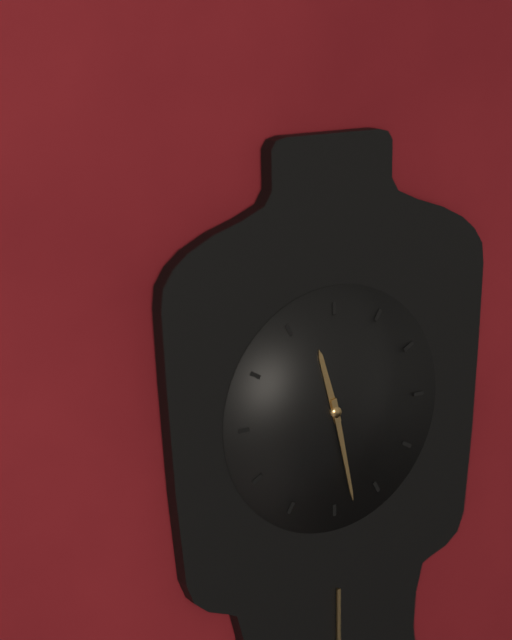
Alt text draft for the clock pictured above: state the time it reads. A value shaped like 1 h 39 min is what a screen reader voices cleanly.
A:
11 h 28 min
